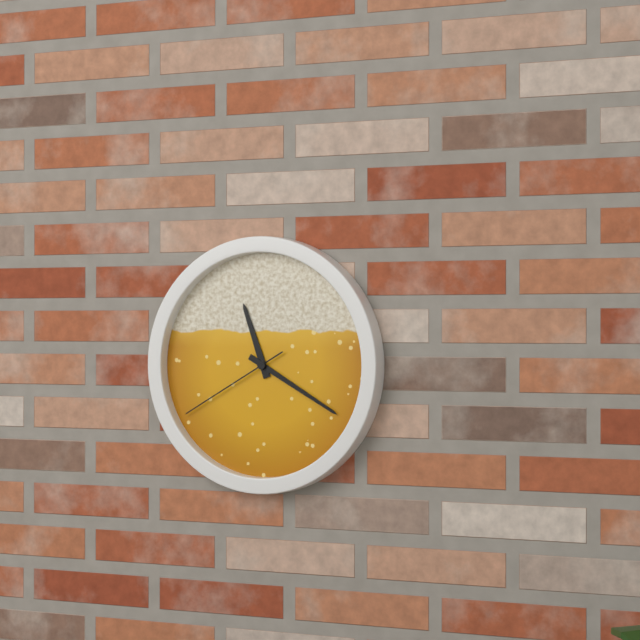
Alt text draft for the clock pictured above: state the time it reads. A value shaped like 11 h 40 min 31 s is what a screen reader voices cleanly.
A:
11 h 20 min 40 s
